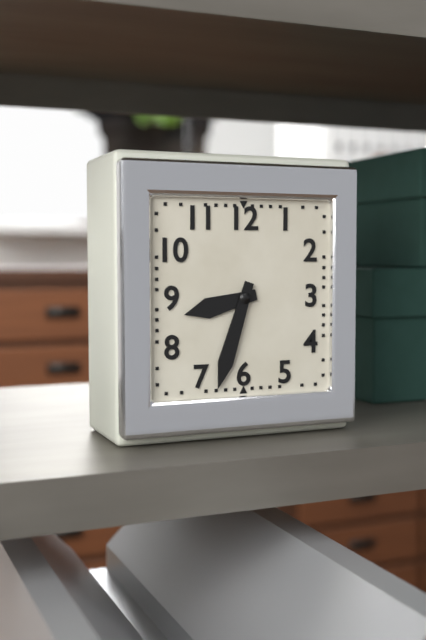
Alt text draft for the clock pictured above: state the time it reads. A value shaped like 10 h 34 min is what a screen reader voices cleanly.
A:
8 h 33 min
